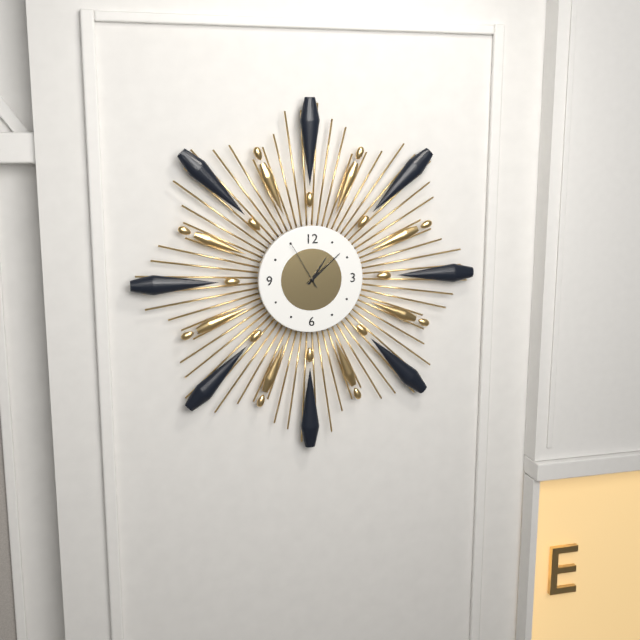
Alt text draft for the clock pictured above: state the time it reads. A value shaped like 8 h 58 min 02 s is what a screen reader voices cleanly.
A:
1 h 08 min 55 s
